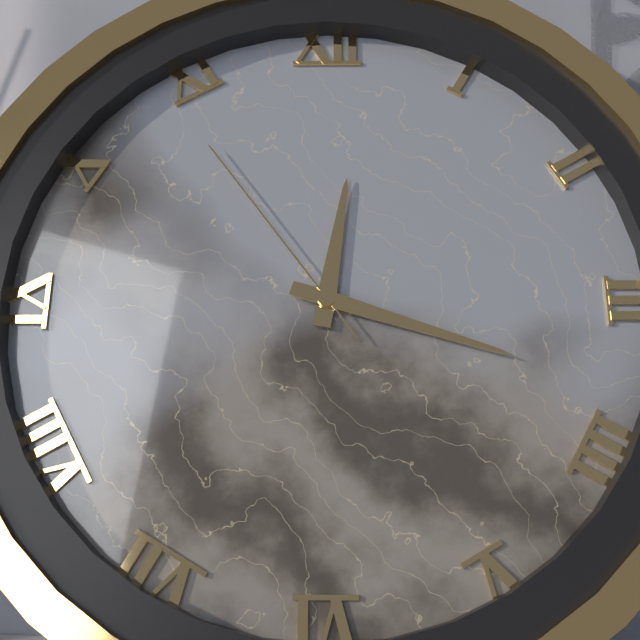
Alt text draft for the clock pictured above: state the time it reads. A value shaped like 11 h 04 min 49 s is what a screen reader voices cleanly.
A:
12 h 18 min 54 s
